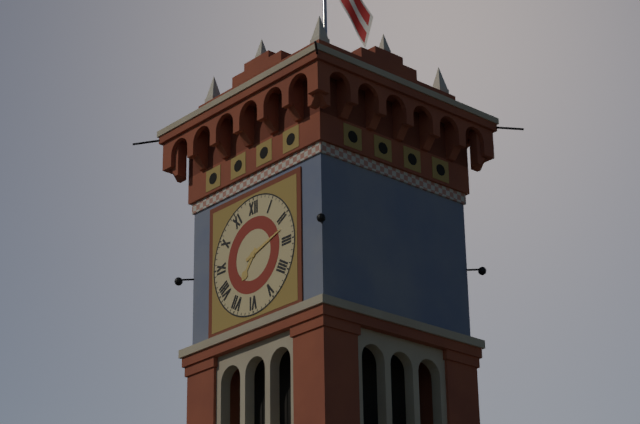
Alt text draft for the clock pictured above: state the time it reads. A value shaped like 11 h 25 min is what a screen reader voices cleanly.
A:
7 h 12 min
